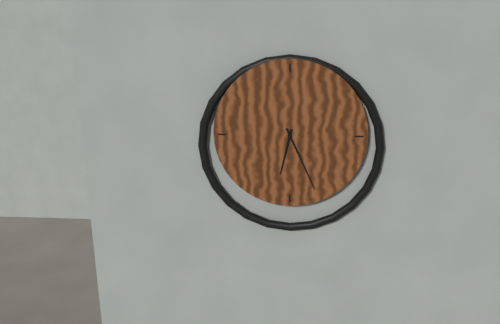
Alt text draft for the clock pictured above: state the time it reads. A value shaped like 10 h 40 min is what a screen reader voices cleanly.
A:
6 h 26 min
